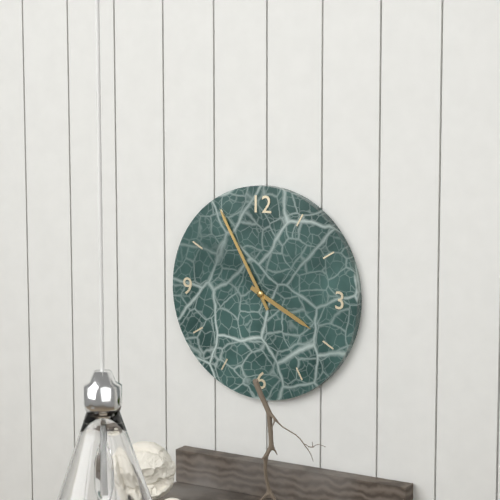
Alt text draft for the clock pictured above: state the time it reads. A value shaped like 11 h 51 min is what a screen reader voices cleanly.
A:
3 h 55 min
